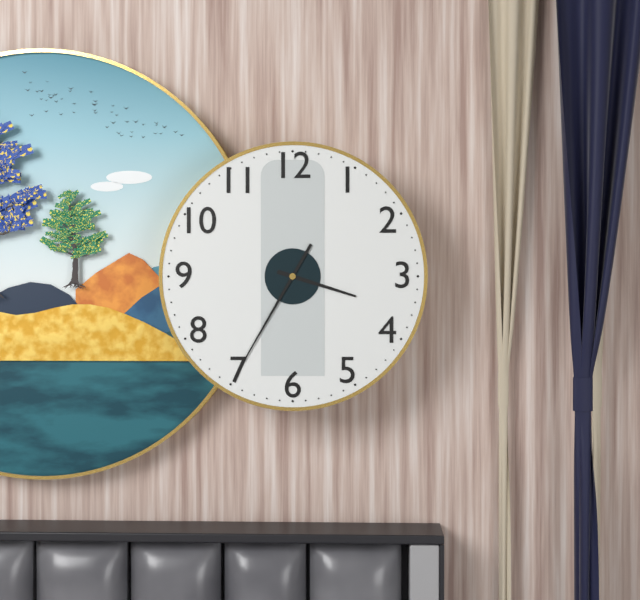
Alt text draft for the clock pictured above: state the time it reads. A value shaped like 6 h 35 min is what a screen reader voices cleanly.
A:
3 h 35 min
